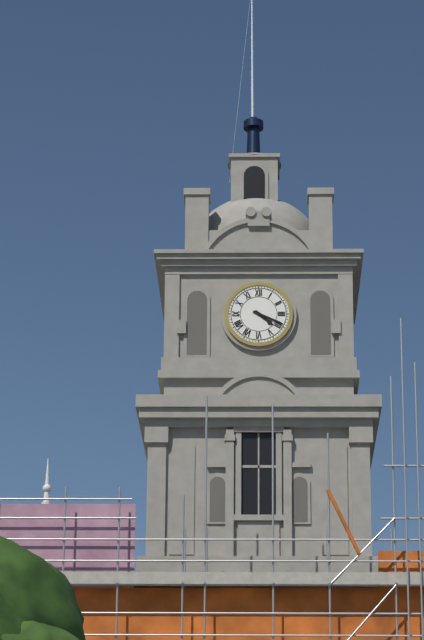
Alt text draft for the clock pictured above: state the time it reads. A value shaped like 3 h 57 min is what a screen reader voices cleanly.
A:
4 h 19 min
